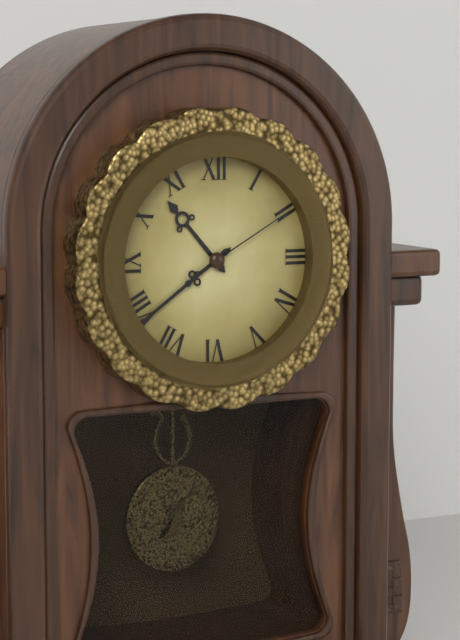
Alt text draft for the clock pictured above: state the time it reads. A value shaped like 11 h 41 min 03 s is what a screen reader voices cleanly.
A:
10 h 39 min 10 s
